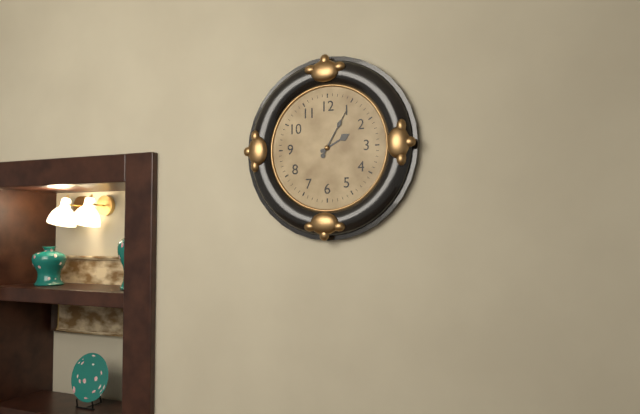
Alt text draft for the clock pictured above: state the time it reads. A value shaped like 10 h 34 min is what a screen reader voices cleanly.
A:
2 h 05 min
